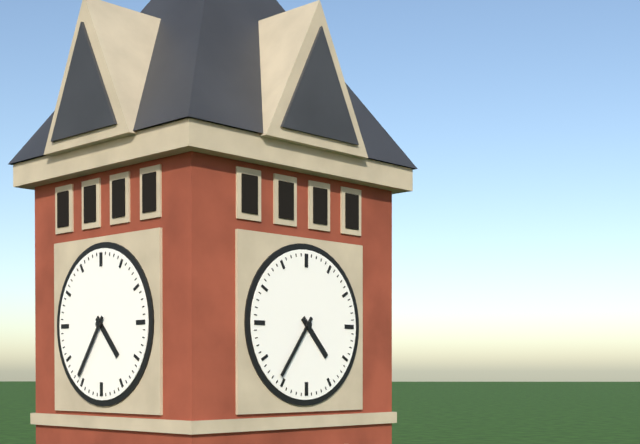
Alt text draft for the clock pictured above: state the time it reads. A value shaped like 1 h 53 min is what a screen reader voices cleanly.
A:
4 h 36 min
